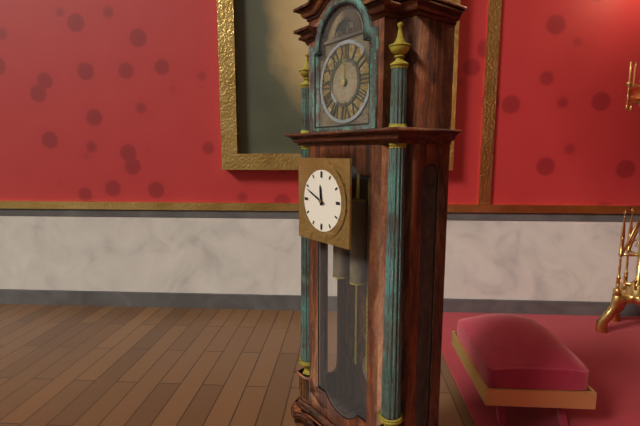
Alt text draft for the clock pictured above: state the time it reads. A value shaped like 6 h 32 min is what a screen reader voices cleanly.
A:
11 h 49 min
